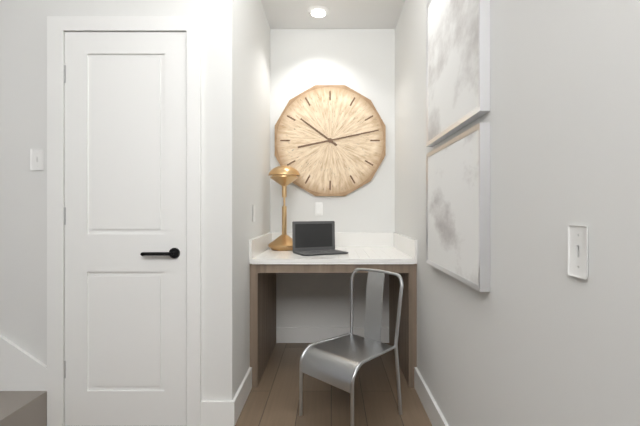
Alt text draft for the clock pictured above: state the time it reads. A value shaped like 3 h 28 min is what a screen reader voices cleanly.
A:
10 h 13 min
